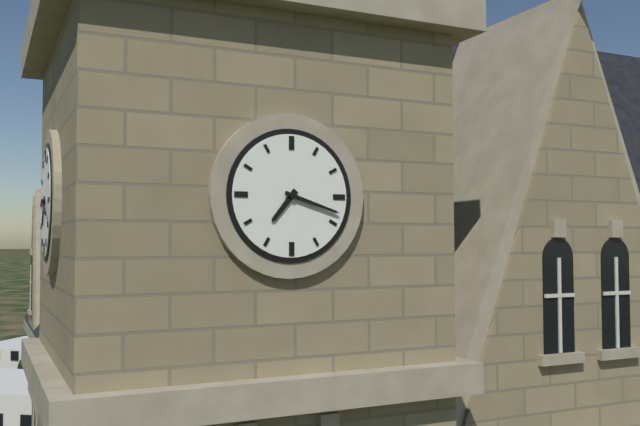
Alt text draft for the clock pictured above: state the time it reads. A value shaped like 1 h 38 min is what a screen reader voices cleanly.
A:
7 h 18 min
